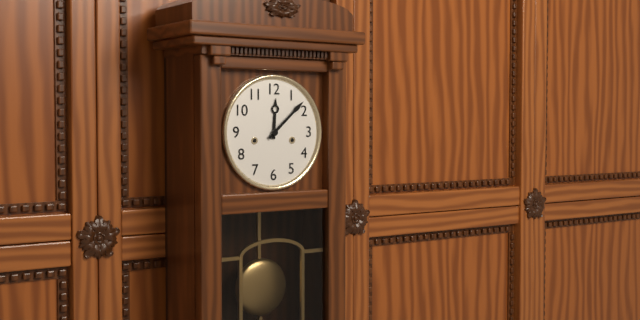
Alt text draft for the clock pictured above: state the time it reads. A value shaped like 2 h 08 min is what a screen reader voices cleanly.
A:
12 h 08 min
